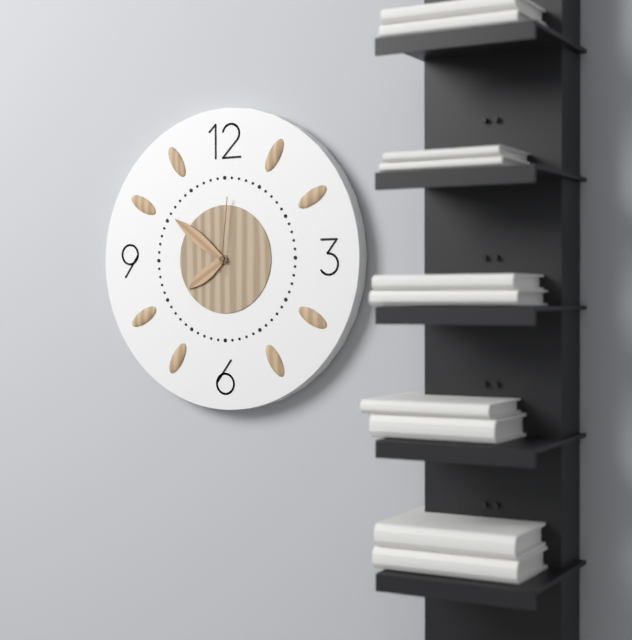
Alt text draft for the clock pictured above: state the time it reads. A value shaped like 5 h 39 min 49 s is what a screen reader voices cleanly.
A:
7 h 51 min 01 s
